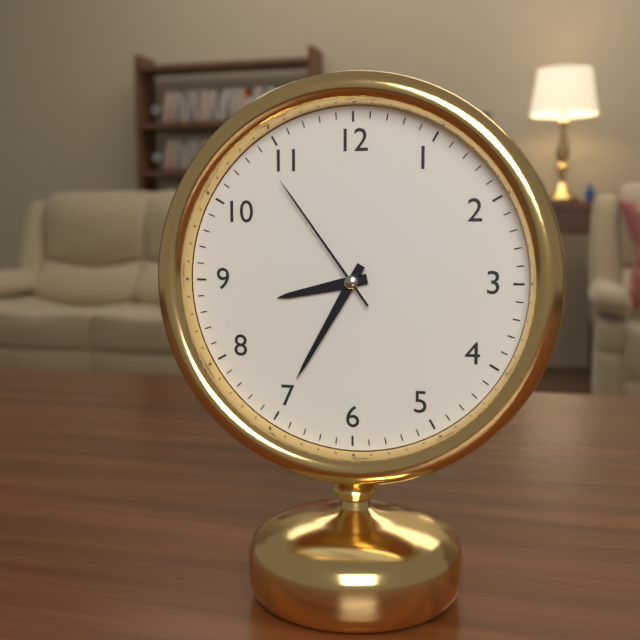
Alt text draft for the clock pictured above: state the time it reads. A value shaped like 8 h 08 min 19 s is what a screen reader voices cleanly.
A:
8 h 35 min 54 s
